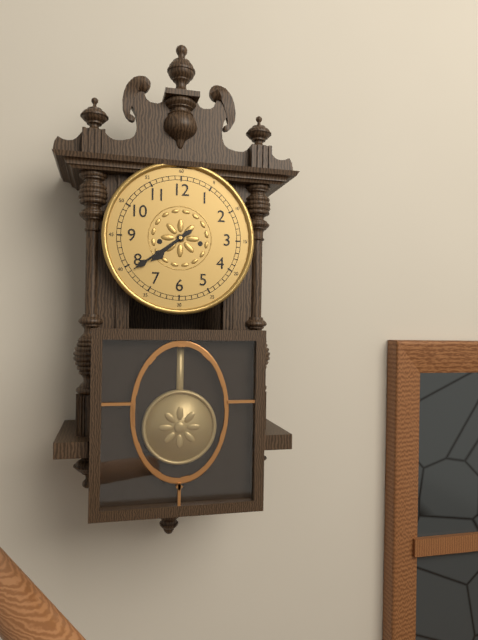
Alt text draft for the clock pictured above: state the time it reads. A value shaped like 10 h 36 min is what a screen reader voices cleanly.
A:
7 h 39 min
